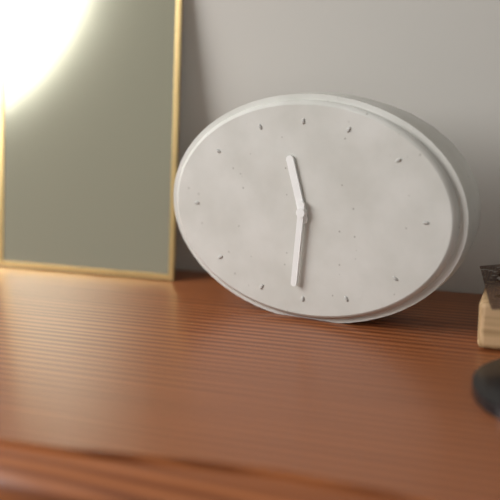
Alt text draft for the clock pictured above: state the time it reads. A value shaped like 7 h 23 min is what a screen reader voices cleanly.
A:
11 h 31 min
